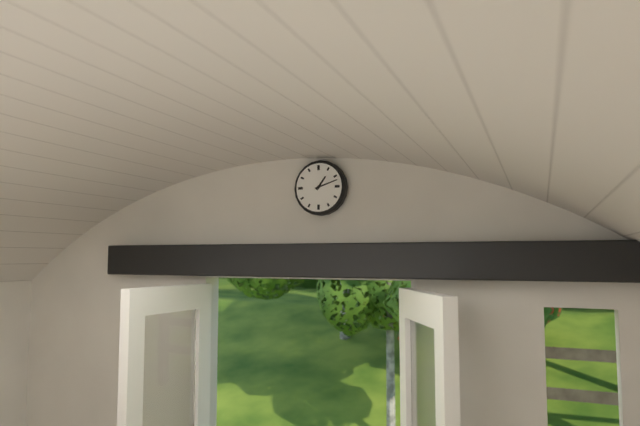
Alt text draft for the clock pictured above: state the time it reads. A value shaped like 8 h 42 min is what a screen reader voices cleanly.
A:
1 h 12 min
